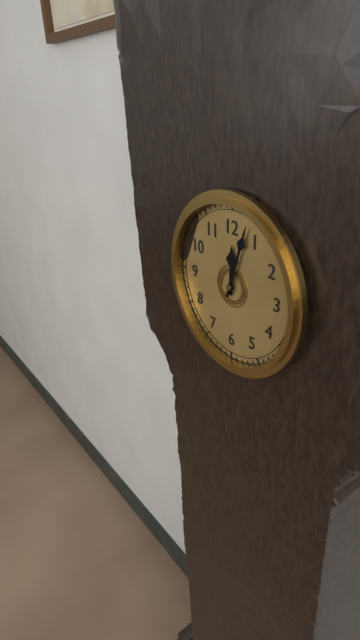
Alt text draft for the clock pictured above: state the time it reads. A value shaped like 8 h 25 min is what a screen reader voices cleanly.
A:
12 h 03 min
